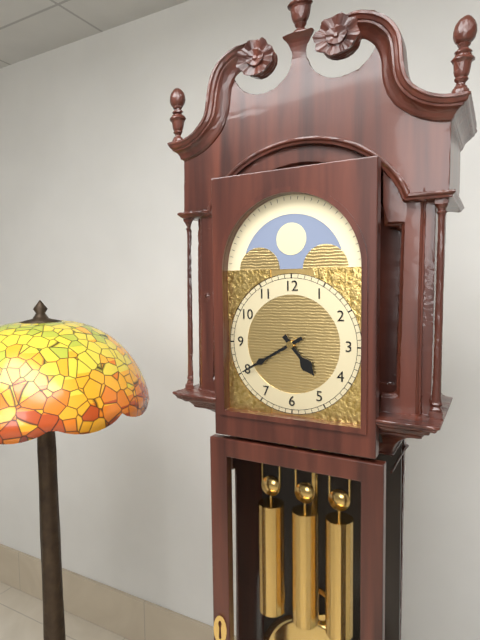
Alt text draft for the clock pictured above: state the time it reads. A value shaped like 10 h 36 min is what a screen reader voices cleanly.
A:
4 h 40 min
